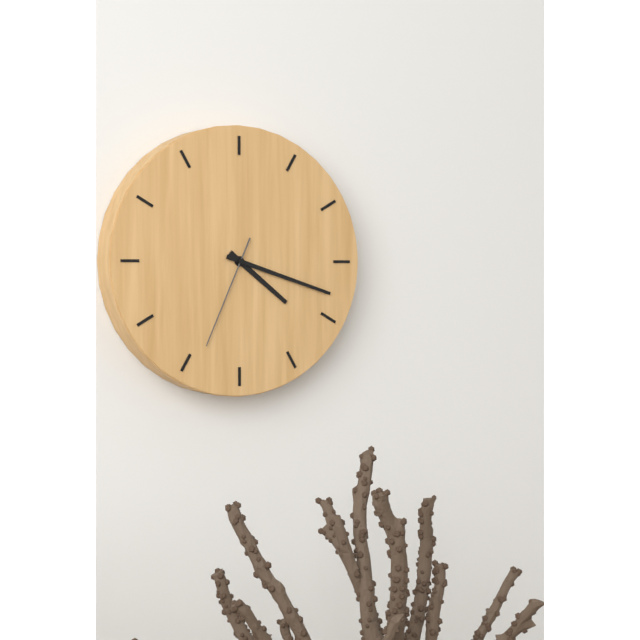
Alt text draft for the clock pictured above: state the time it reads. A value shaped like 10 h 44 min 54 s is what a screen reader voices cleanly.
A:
4 h 18 min 34 s
